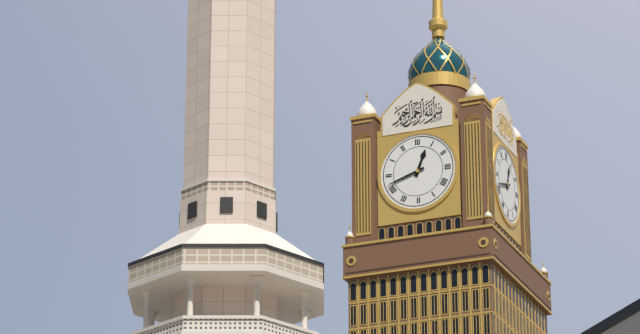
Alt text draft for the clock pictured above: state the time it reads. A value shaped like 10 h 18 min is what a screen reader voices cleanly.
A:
12 h 42 min
